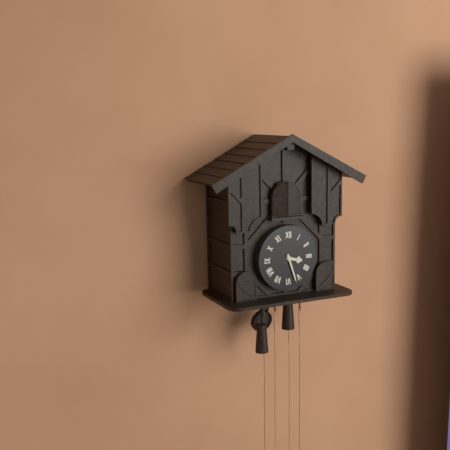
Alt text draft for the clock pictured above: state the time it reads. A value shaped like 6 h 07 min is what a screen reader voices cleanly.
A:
3 h 27 min
